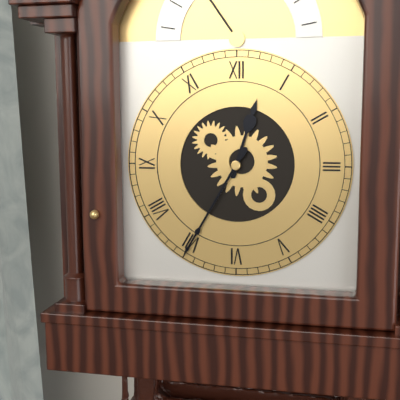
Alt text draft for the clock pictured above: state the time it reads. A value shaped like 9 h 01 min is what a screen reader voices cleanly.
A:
12 h 35 min
